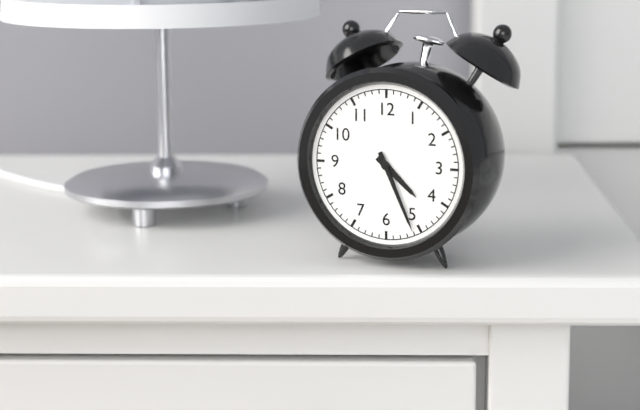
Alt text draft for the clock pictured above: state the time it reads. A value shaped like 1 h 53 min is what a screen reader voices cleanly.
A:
4 h 26 min
